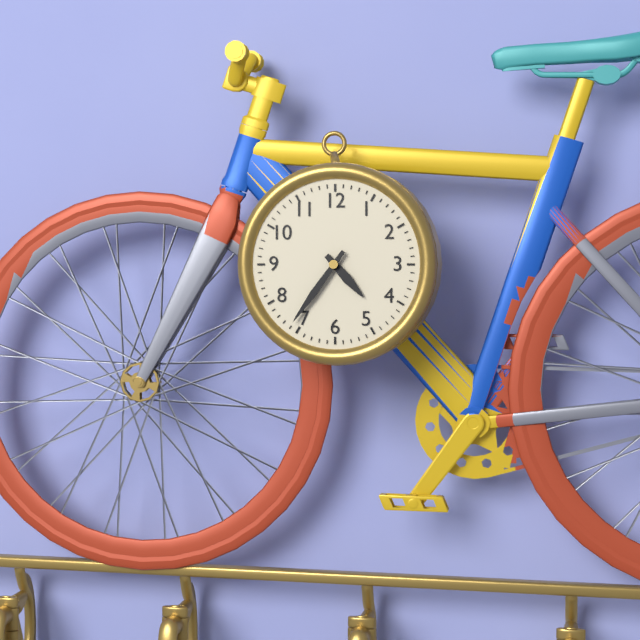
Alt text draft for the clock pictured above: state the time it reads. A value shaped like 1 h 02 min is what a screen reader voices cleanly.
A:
4 h 36 min
